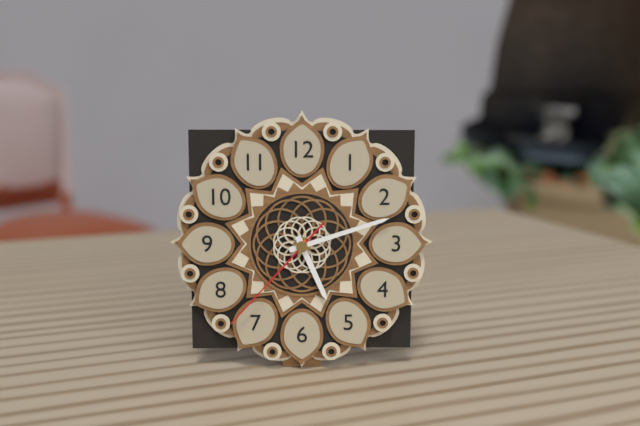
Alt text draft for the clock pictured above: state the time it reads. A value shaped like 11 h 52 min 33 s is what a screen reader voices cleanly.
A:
5 h 12 min 37 s
